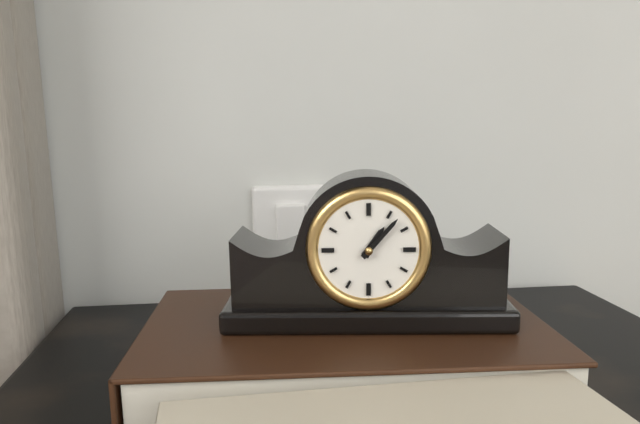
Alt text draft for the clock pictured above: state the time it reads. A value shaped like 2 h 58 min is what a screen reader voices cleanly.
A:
1 h 07 min
